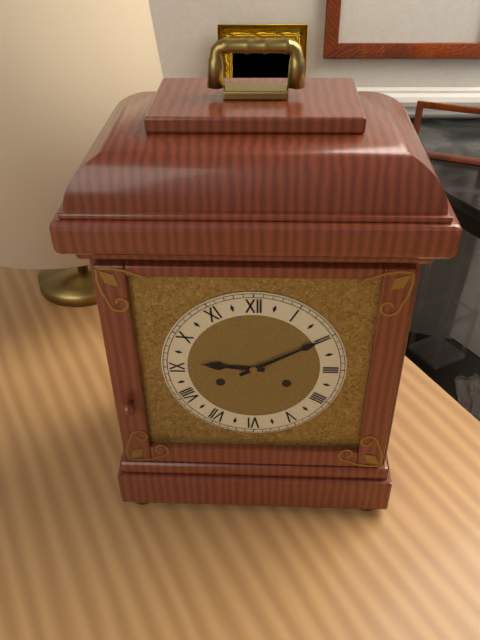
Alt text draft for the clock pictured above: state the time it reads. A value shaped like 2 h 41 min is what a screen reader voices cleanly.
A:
9 h 10 min
